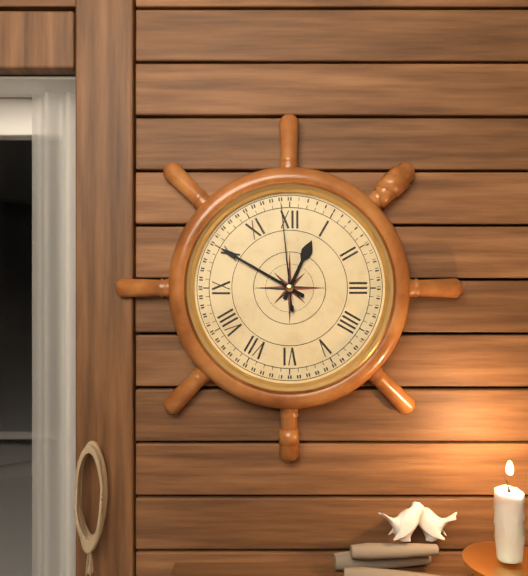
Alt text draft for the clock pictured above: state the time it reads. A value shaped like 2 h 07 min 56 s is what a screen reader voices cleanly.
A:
12 h 50 min 59 s
